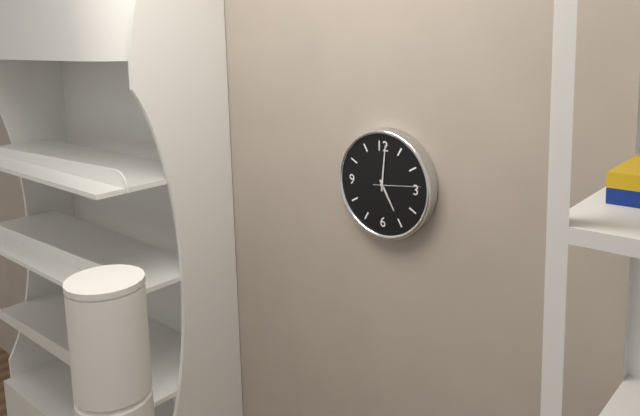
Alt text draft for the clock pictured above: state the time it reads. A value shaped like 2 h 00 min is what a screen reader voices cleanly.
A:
5 h 01 min
